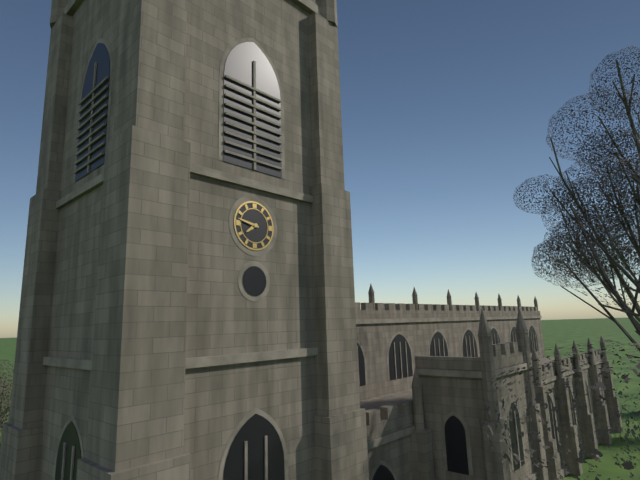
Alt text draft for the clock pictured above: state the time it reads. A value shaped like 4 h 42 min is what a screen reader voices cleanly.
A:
7 h 47 min
